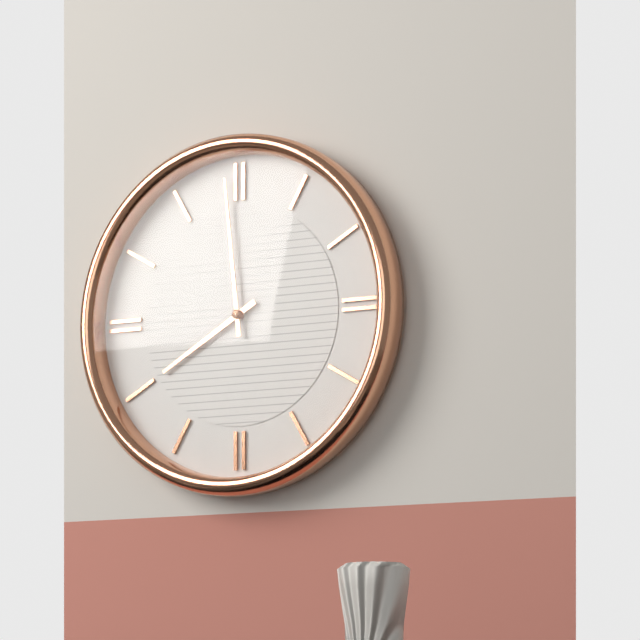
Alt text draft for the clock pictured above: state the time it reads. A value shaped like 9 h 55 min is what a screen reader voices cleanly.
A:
7 h 59 min
